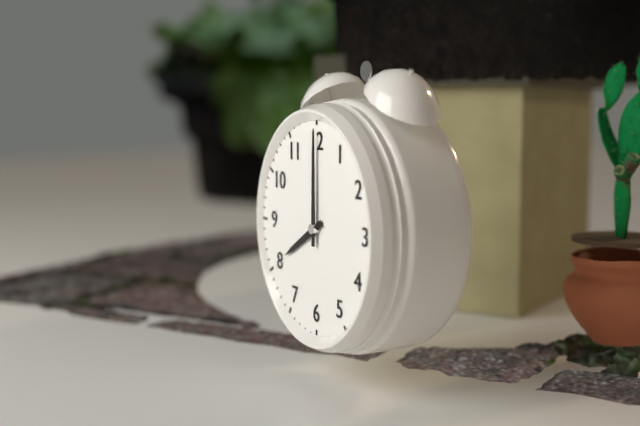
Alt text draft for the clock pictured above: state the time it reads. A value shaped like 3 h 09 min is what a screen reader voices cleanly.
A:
8 h 00 min
